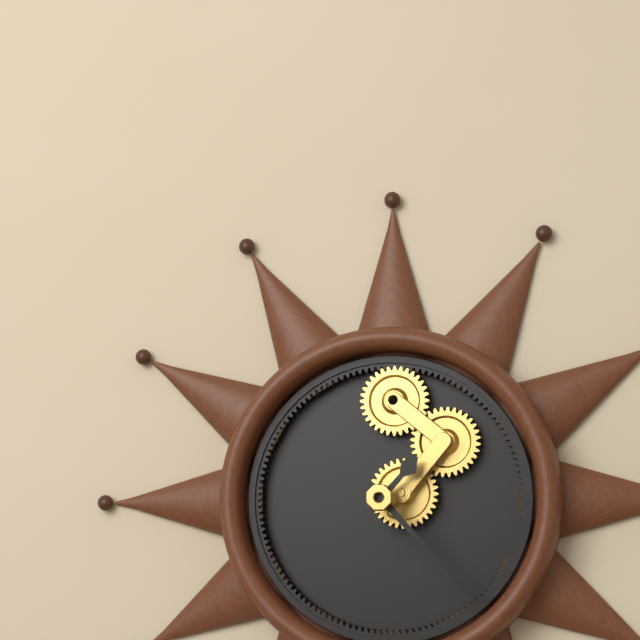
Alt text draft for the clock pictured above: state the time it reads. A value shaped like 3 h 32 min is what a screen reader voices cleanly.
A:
1 h 23 min
